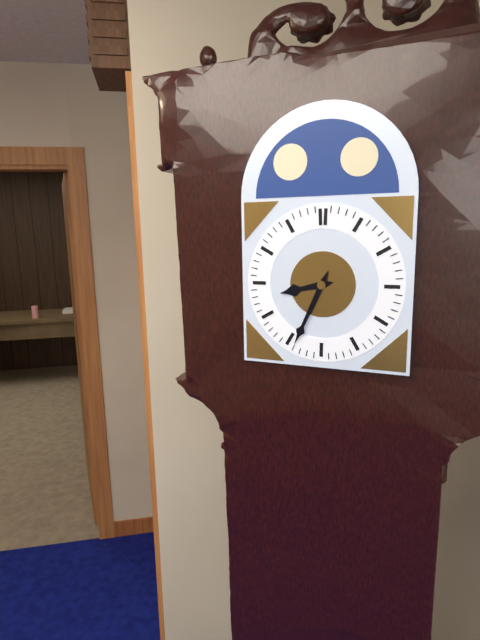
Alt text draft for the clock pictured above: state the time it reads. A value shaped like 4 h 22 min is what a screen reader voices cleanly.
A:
8 h 34 min
